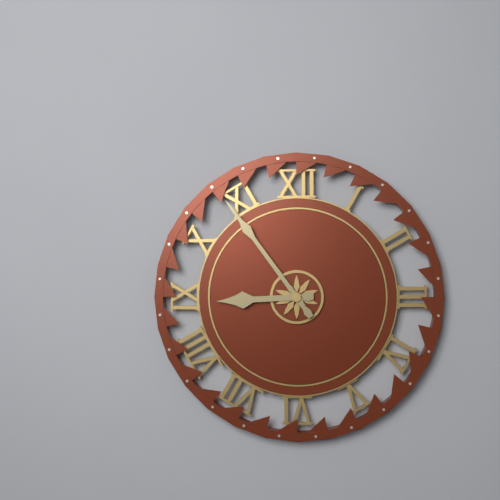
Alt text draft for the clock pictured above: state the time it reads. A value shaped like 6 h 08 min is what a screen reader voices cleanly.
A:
8 h 54 min
